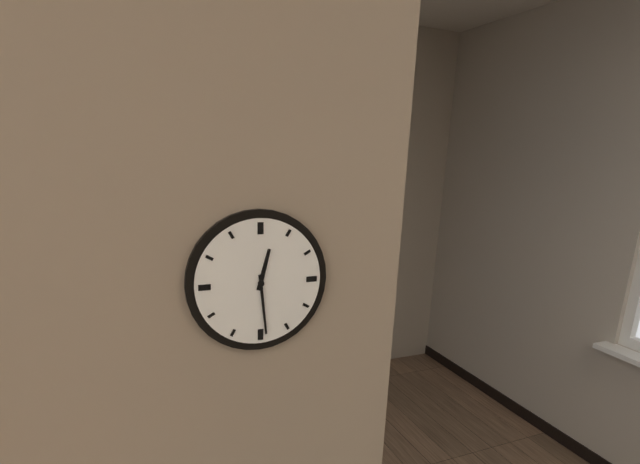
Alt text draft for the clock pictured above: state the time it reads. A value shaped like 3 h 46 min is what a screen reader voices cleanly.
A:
12 h 29 min
